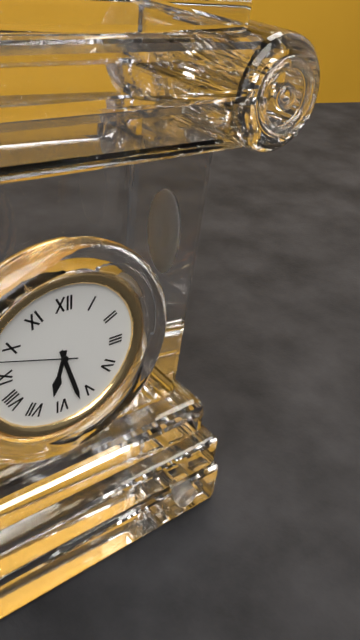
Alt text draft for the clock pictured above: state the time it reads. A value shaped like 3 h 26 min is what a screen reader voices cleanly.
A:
6 h 27 min
